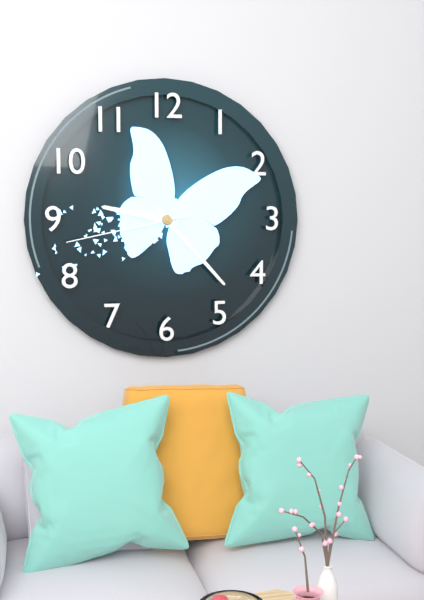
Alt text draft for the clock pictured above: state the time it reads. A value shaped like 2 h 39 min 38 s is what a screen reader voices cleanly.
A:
9 h 23 min 43 s
